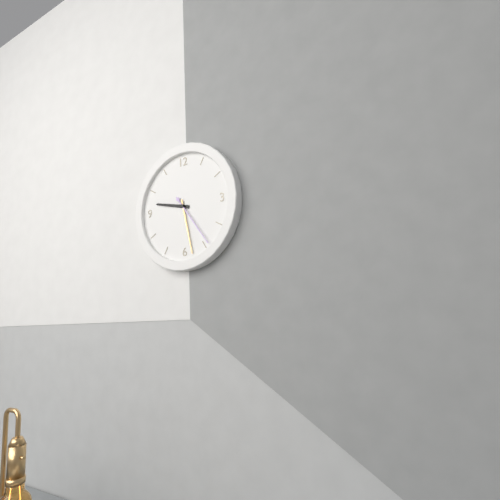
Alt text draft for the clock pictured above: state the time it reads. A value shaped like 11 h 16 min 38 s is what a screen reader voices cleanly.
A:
9 h 28 min 24 s
